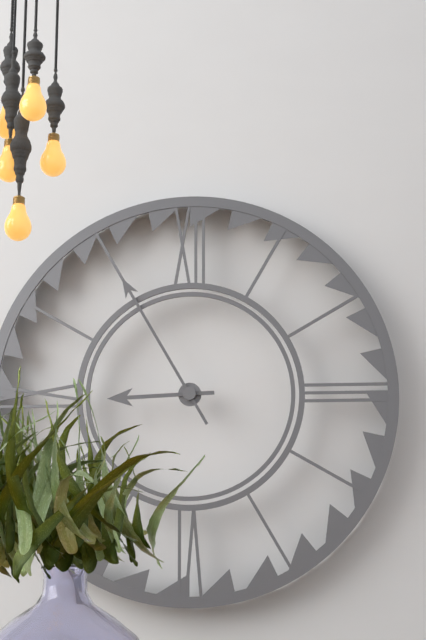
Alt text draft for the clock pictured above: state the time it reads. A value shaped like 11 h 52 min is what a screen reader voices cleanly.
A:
8 h 55 min
